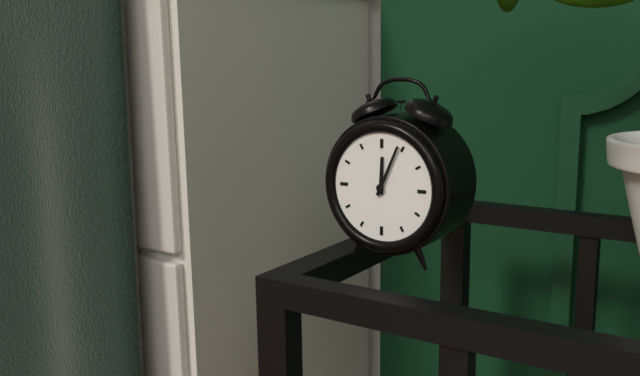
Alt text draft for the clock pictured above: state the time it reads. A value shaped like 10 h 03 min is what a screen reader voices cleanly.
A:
12 h 04 min
